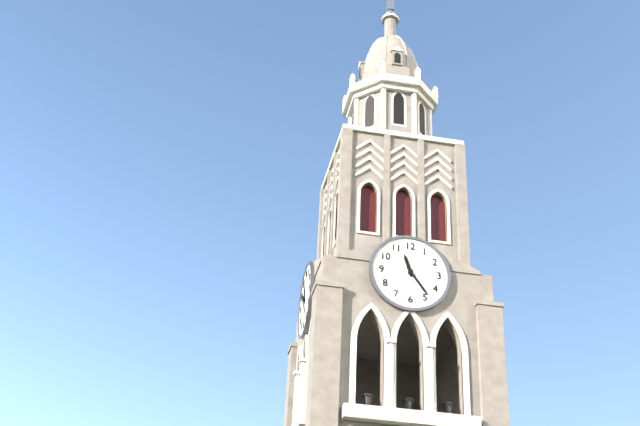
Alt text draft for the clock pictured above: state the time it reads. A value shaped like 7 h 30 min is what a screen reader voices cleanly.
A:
11 h 24 min
